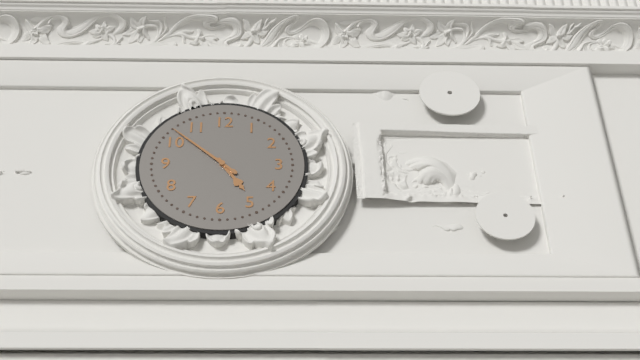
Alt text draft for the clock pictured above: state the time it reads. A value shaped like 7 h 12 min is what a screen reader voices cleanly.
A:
4 h 52 min
